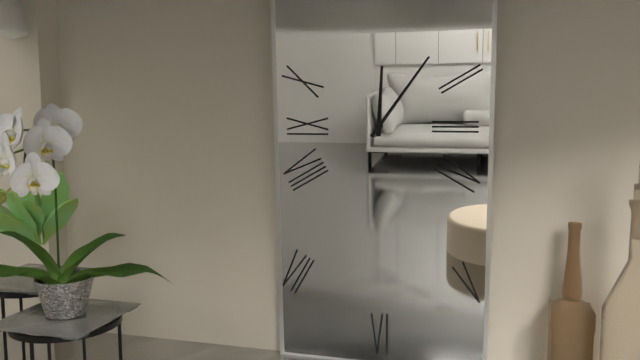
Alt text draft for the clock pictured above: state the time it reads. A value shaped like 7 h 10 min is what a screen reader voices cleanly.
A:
12 h 06 min
